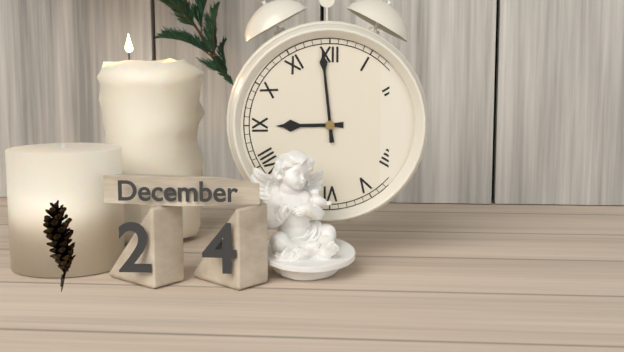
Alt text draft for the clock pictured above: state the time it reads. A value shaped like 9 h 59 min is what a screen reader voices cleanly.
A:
8 h 59 min
